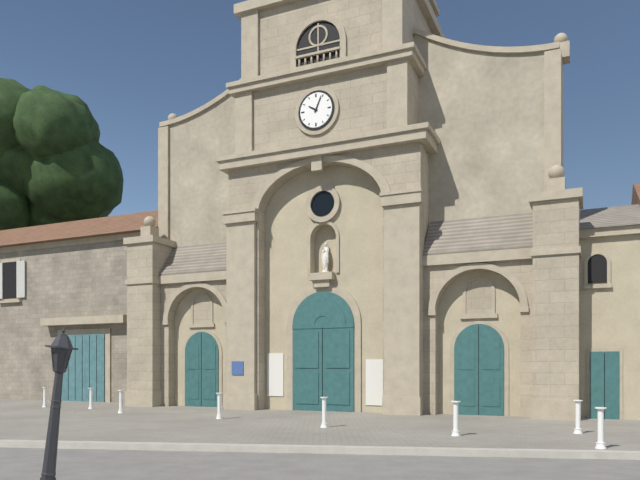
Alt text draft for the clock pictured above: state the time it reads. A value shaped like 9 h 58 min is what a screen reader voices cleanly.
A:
10 h 04 min
